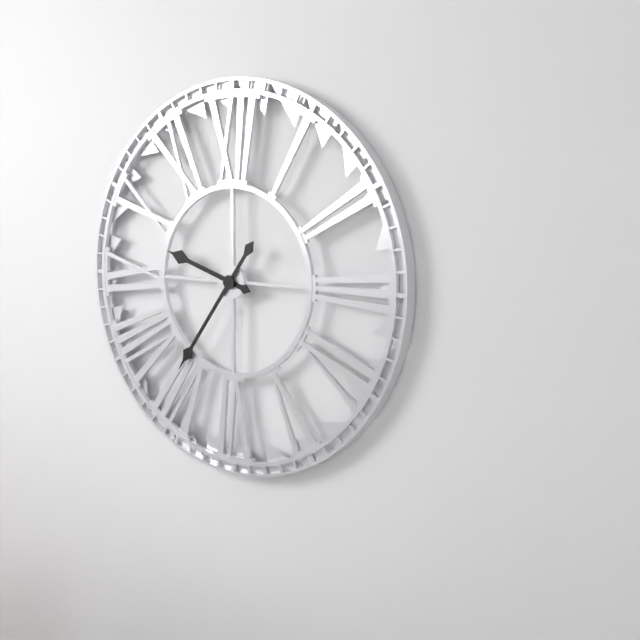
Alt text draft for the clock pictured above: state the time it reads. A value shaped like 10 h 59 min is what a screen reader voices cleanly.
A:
9 h 36 min
